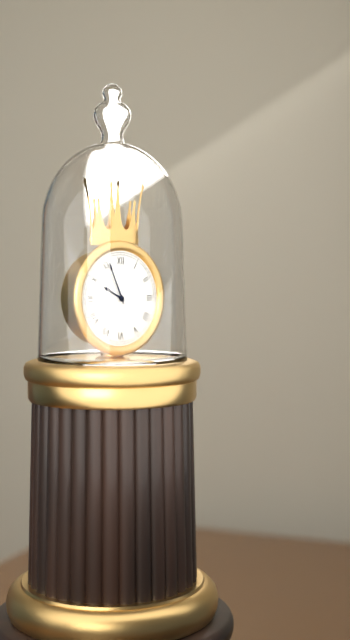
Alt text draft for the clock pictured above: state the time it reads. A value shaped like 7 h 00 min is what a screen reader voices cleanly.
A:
9 h 56 min
